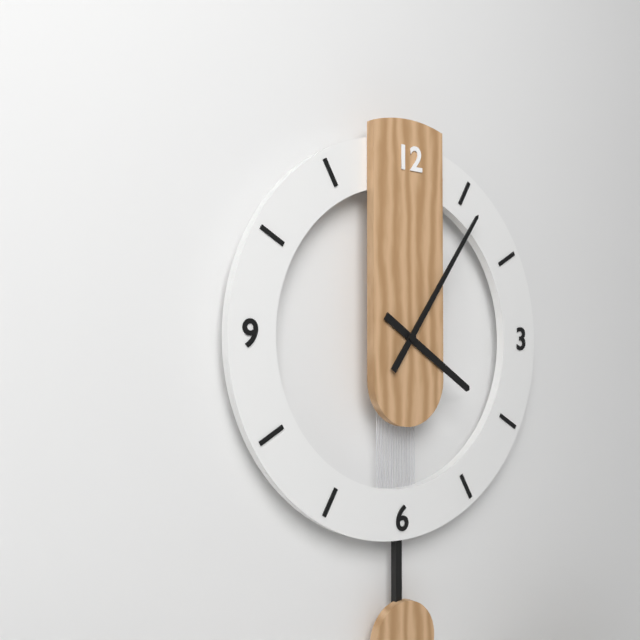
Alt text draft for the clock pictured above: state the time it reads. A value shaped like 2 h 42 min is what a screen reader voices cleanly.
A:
4 h 06 min
